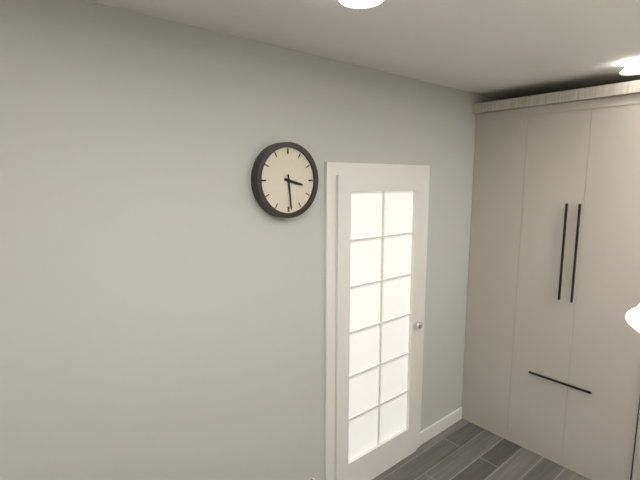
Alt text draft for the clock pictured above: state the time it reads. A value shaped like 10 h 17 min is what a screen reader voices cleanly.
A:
3 h 29 min
